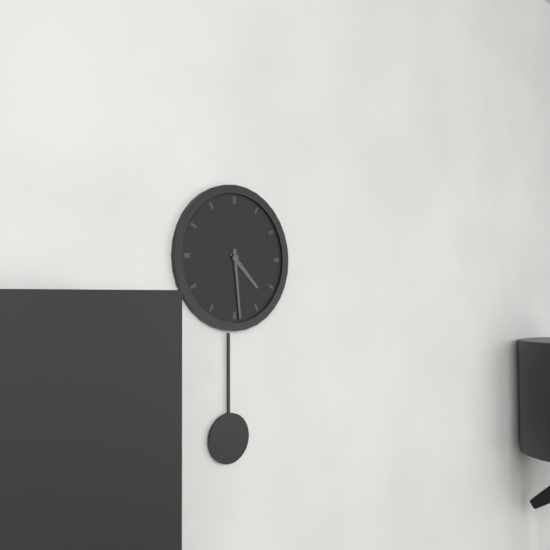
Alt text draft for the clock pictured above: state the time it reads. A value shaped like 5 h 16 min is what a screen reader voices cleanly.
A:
4 h 29 min
